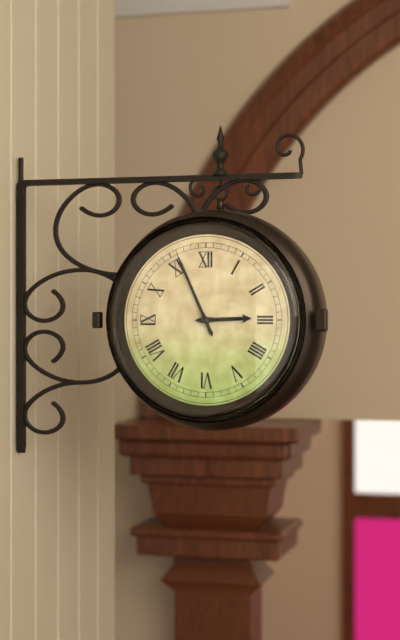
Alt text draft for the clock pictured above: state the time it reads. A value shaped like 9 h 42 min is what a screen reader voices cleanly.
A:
2 h 56 min
